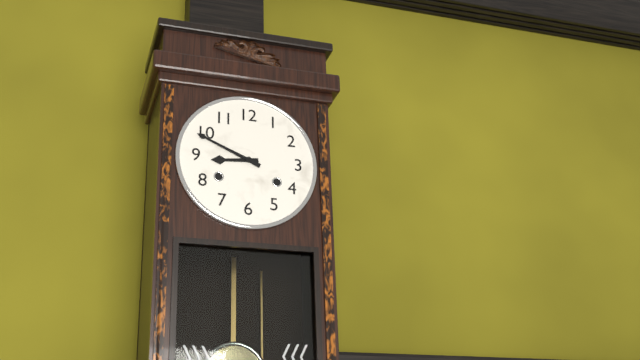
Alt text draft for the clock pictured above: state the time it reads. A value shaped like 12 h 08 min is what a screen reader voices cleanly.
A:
8 h 49 min
